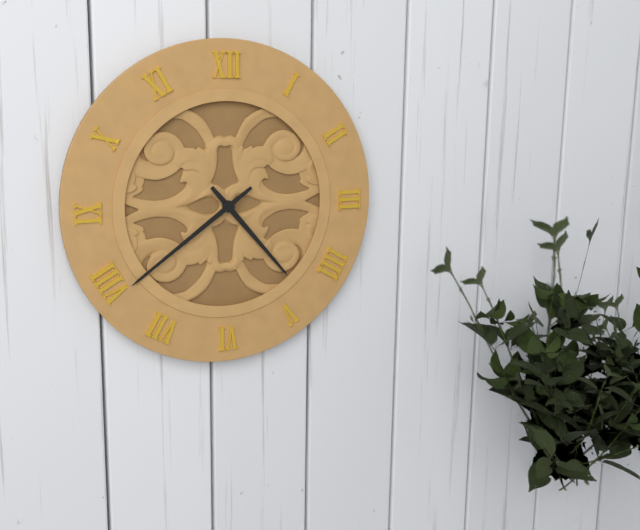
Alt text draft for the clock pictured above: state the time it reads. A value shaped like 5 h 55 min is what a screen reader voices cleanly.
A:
4 h 39 min
